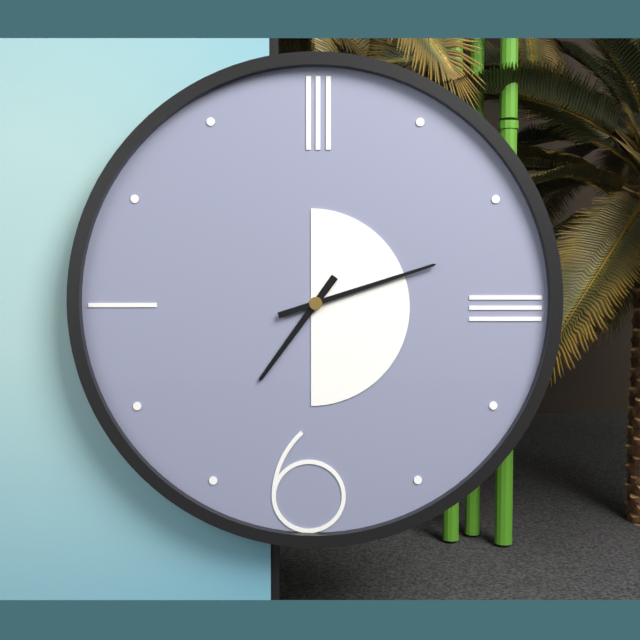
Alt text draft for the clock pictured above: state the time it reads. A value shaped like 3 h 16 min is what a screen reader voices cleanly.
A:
7 h 12 min
